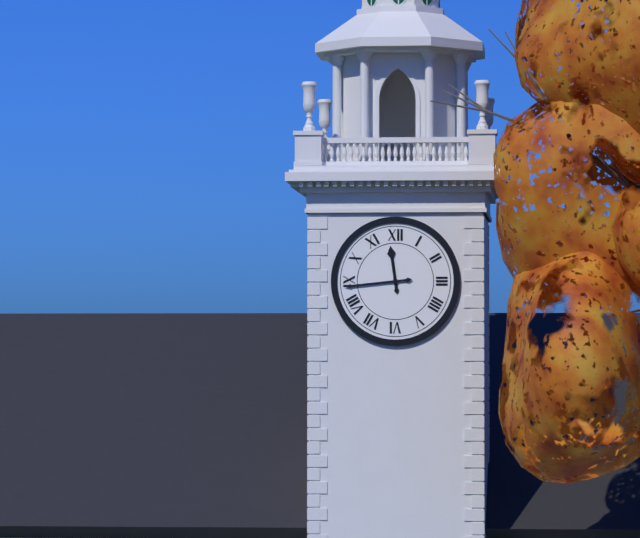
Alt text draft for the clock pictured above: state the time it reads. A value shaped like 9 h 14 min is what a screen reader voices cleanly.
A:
11 h 44 min
